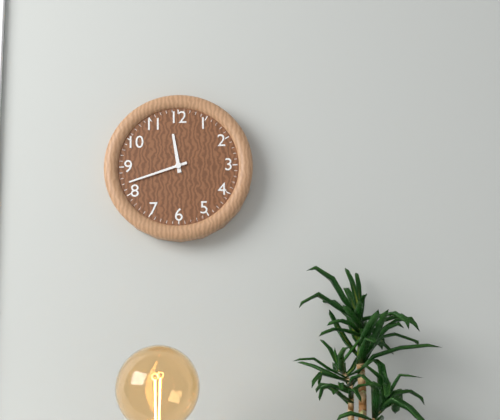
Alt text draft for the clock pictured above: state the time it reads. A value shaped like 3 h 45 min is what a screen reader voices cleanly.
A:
11 h 42 min
